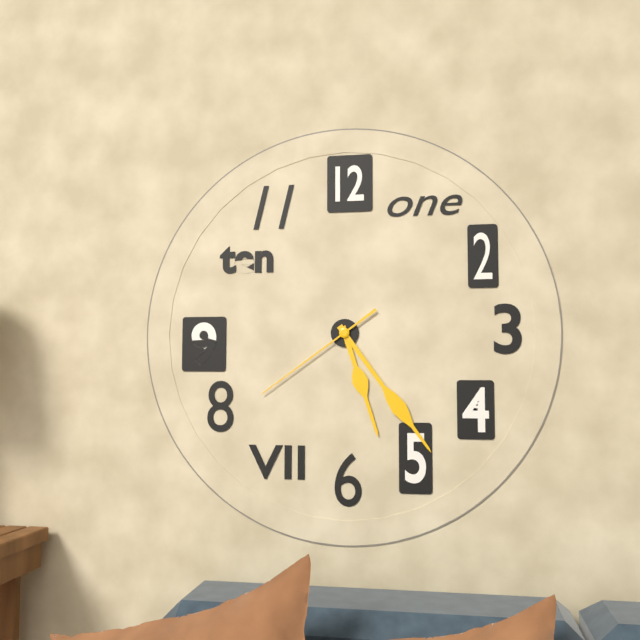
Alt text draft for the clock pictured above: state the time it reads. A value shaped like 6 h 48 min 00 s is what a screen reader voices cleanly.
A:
5 h 24 min 39 s
